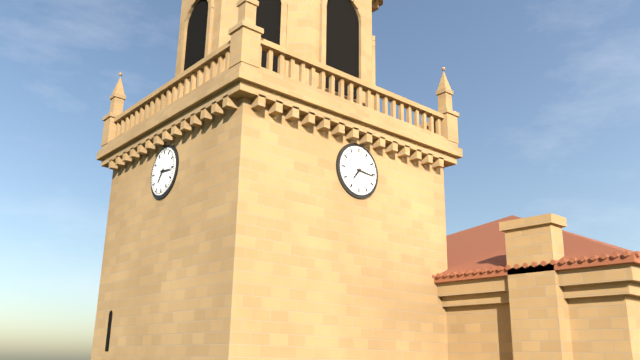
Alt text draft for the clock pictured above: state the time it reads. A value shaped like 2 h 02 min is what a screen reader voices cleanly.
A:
7 h 16 min
